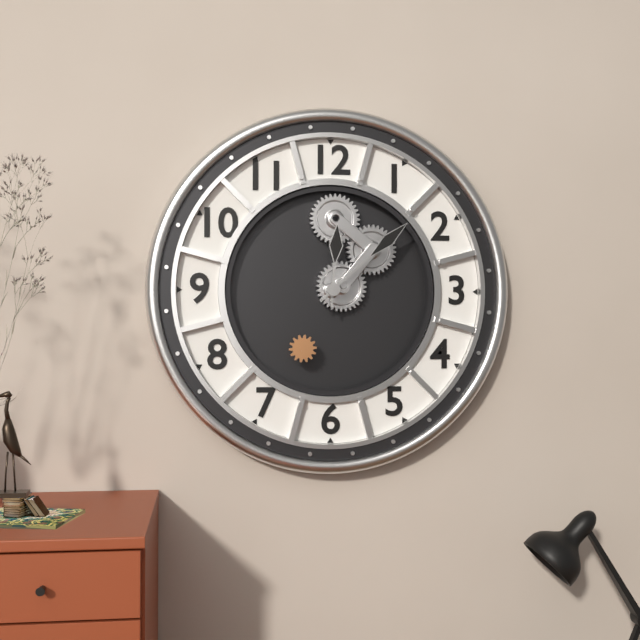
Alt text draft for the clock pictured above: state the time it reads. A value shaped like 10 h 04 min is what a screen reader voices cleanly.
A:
12 h 08 min
